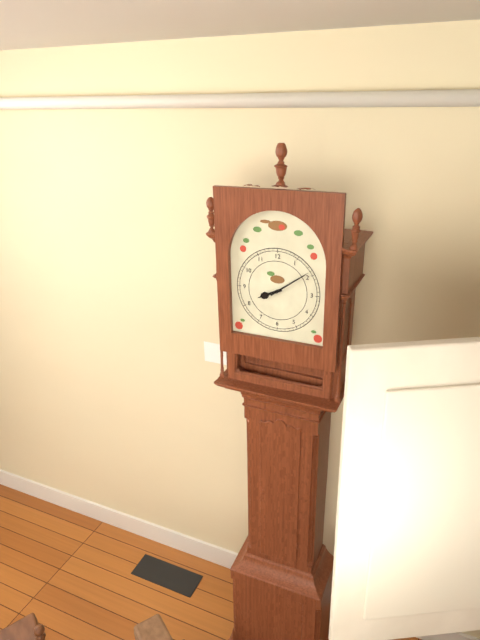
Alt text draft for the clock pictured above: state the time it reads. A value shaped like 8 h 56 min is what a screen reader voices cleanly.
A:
8 h 09 min
